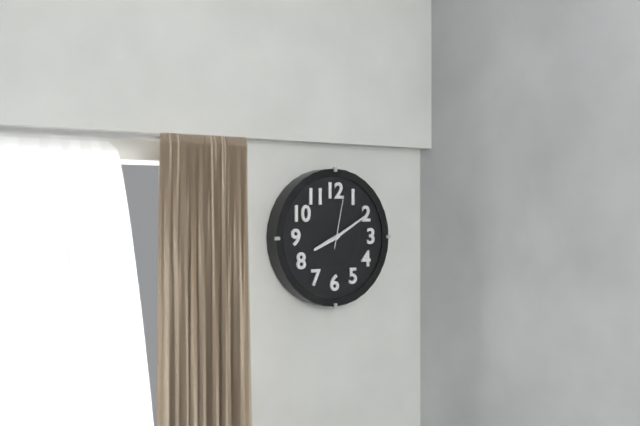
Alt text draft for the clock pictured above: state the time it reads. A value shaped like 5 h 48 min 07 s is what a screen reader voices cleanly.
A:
8 h 10 min 02 s
